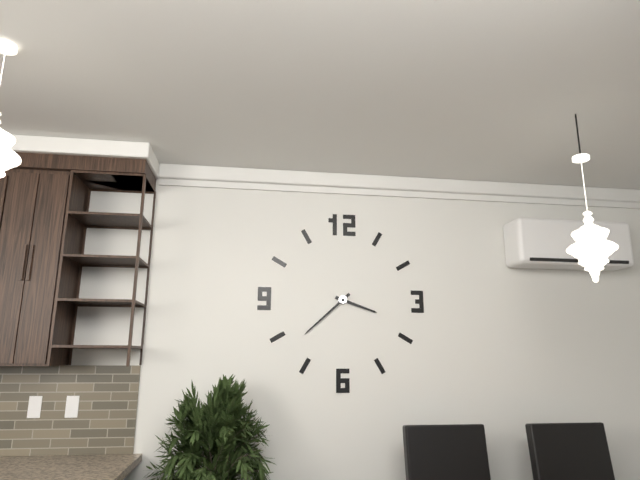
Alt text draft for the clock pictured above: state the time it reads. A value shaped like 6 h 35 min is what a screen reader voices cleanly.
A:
3 h 38 min
